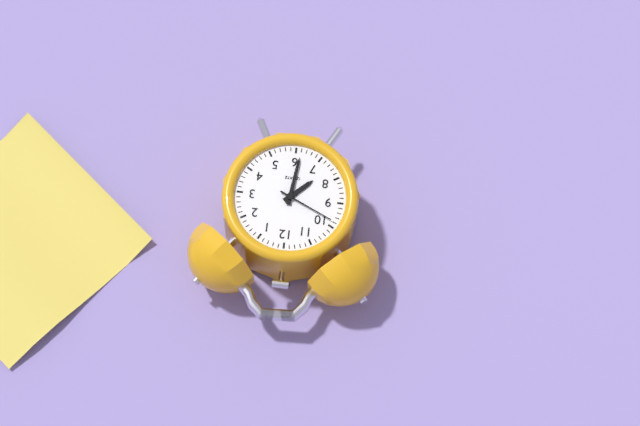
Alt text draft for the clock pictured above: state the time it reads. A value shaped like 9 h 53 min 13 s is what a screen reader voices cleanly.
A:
7 h 31 min 49 s
